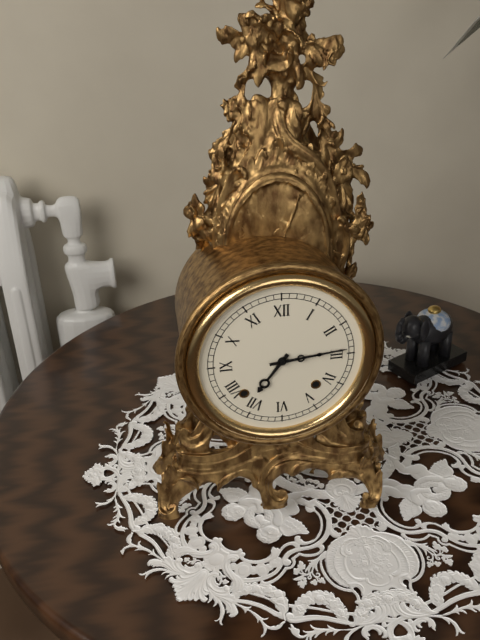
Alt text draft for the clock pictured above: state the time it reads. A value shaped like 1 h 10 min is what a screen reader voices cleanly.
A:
7 h 14 min
